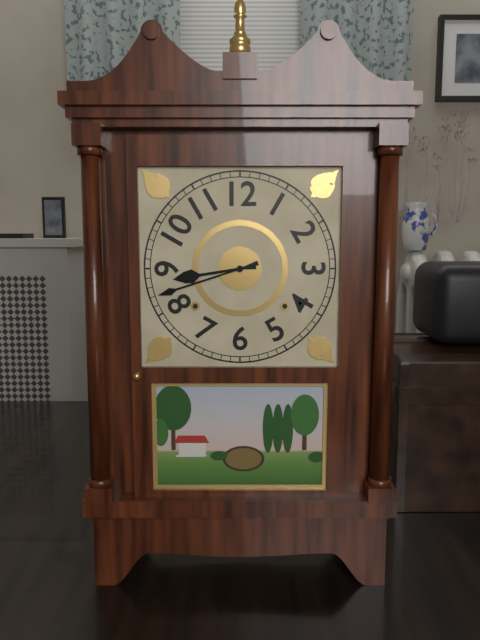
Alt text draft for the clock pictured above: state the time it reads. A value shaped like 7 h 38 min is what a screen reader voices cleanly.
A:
8 h 42 min
